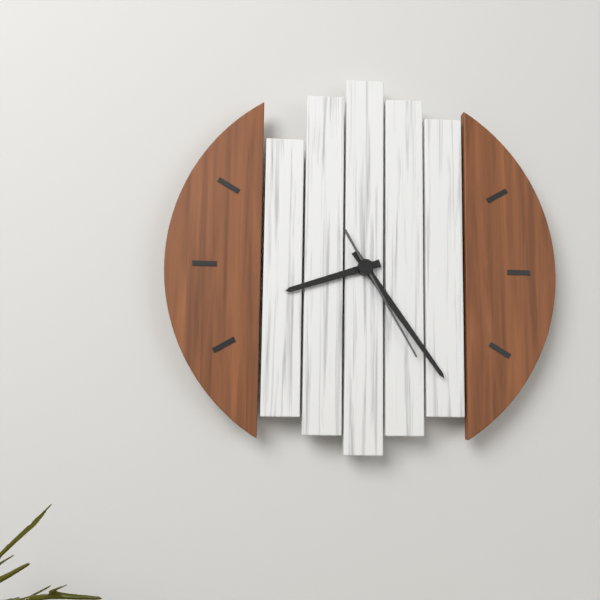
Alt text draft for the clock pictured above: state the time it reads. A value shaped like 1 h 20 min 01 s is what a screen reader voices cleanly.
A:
8 h 24 min 25 s
